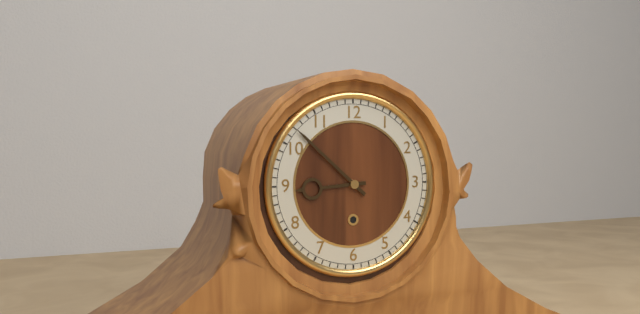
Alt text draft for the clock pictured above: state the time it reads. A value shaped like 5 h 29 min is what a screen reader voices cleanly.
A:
8 h 52 min
